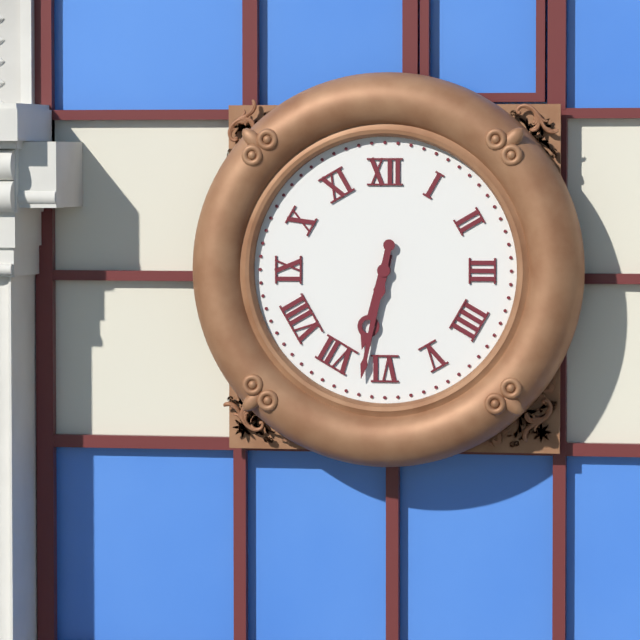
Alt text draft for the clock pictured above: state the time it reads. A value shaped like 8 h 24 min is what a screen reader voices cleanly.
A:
6 h 32 min
